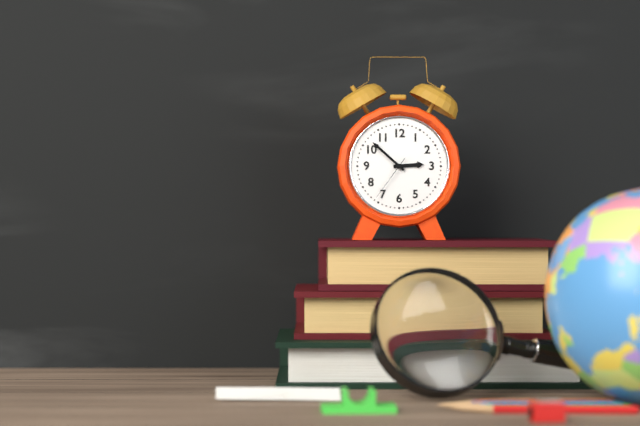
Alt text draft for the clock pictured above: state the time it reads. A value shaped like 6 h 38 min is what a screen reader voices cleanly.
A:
2 h 52 min
